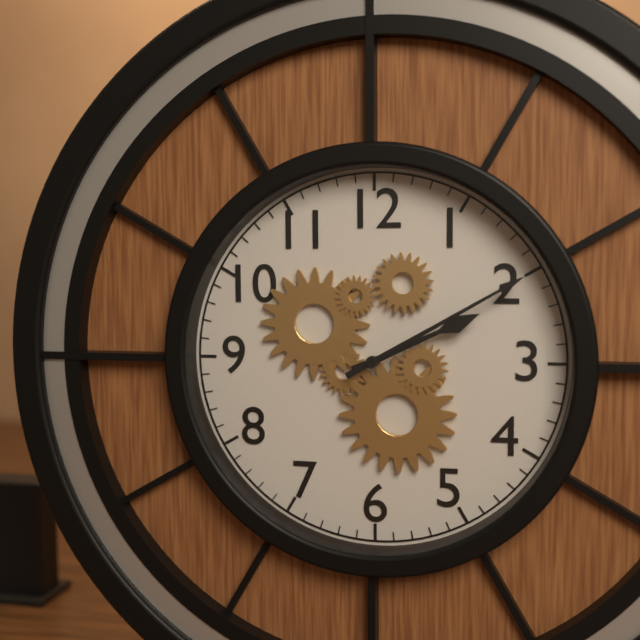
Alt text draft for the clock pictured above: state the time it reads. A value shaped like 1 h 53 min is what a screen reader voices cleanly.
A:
2 h 10 min
